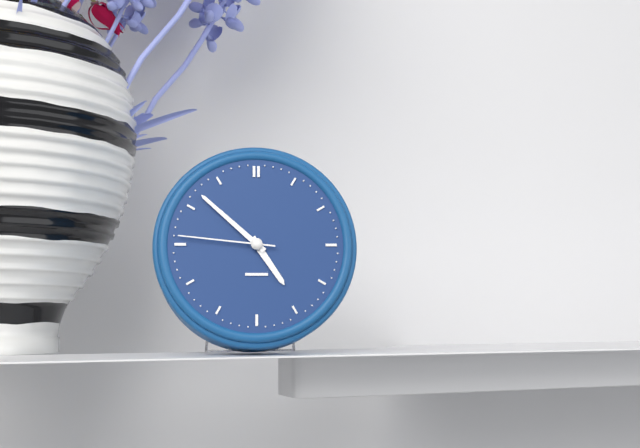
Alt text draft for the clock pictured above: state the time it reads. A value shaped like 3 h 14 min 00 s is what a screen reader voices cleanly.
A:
4 h 52 min 46 s
